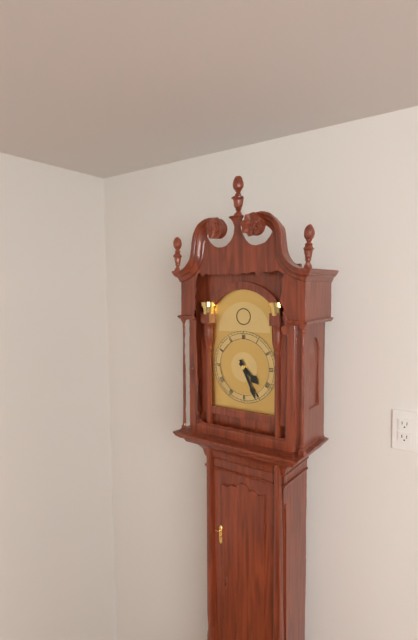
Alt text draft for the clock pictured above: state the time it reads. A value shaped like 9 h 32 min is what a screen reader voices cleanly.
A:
4 h 26 min
